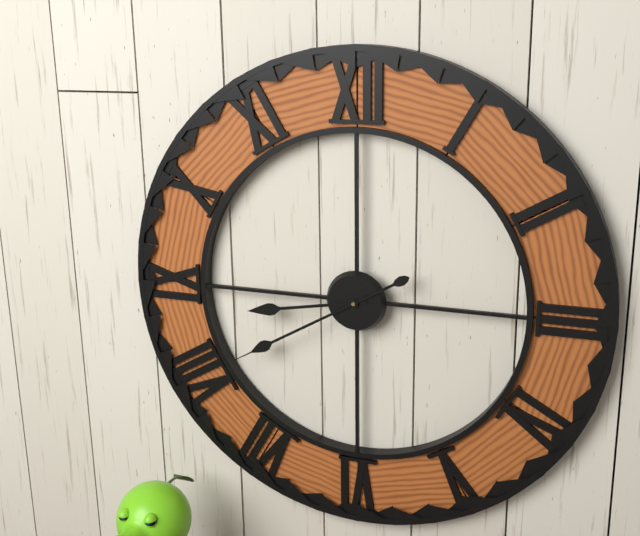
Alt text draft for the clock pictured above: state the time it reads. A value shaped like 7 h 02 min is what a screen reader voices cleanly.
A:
8 h 40 min
